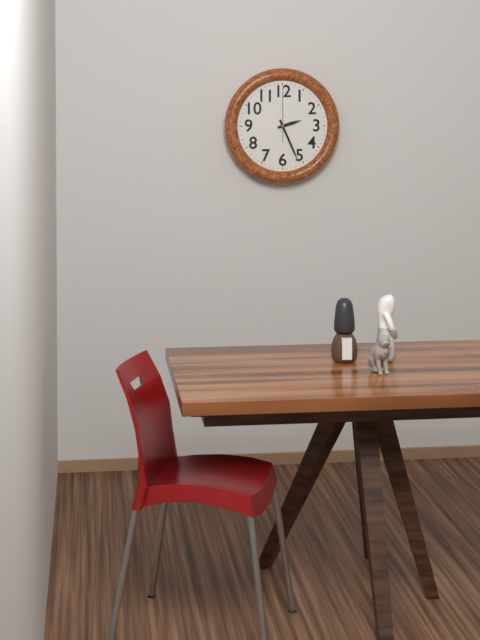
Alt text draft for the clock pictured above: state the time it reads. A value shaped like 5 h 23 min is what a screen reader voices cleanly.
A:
2 h 26 min
